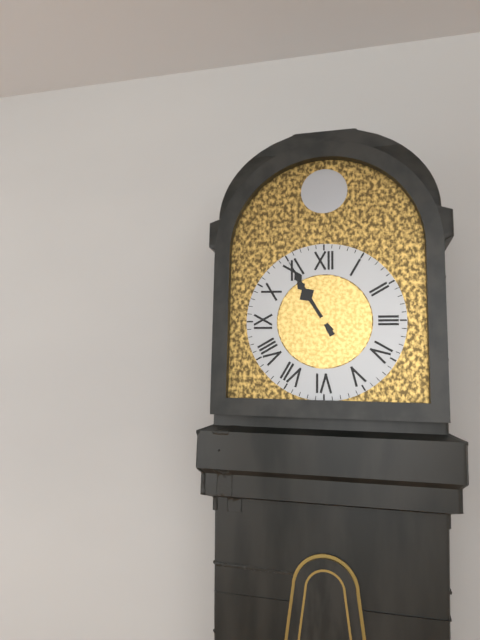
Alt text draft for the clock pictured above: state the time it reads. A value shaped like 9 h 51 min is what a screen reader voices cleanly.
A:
10 h 55 min
